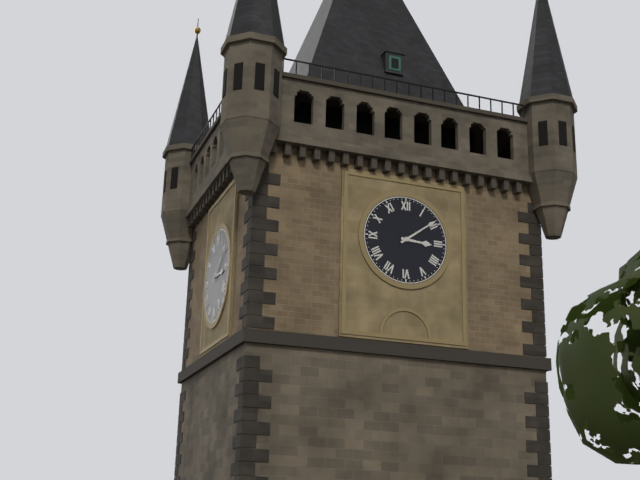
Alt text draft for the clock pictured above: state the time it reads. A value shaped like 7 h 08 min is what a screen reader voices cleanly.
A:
3 h 09 min
